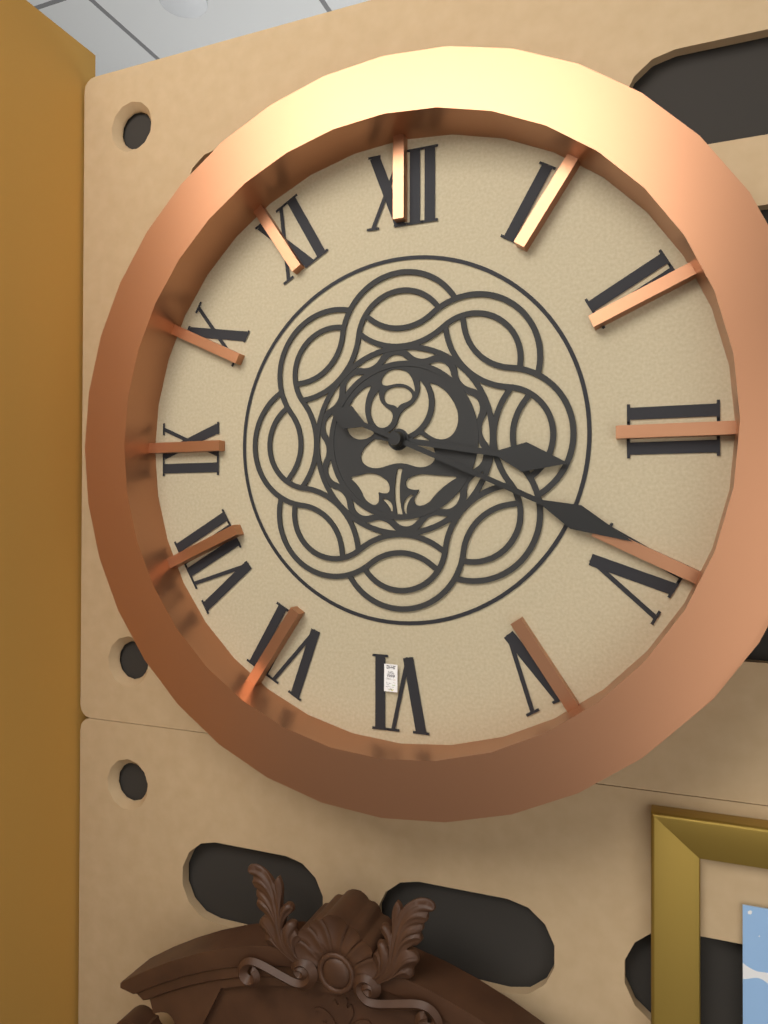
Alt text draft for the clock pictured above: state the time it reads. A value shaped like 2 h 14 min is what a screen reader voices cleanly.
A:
3 h 19 min
